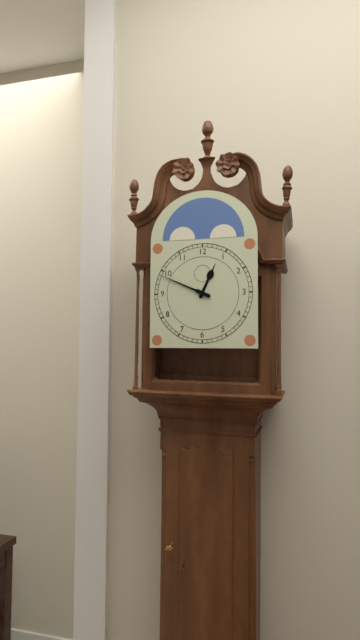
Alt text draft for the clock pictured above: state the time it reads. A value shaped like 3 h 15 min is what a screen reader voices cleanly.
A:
12 h 49 min
